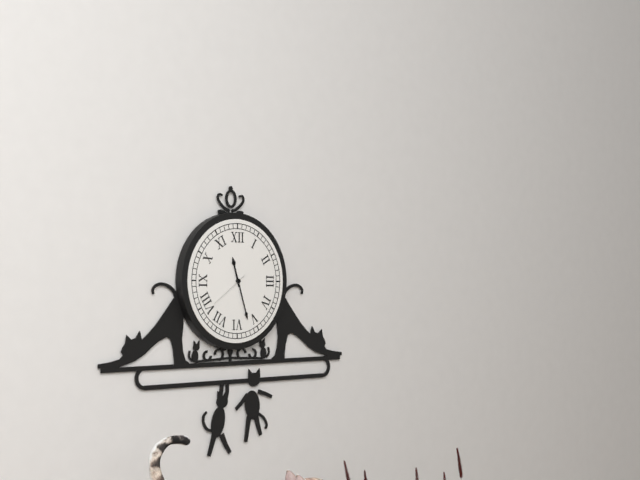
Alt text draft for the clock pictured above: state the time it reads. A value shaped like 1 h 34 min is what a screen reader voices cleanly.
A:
11 h 27 min
